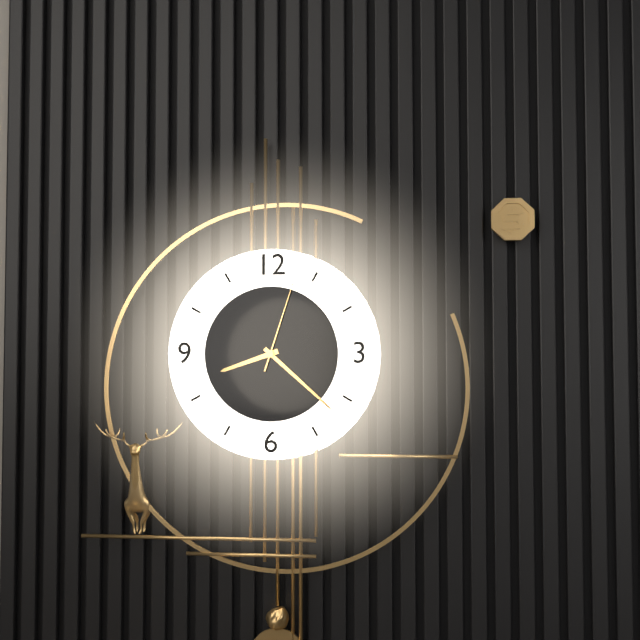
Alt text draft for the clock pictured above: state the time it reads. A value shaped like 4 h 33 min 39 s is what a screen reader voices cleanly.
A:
8 h 22 min 03 s
